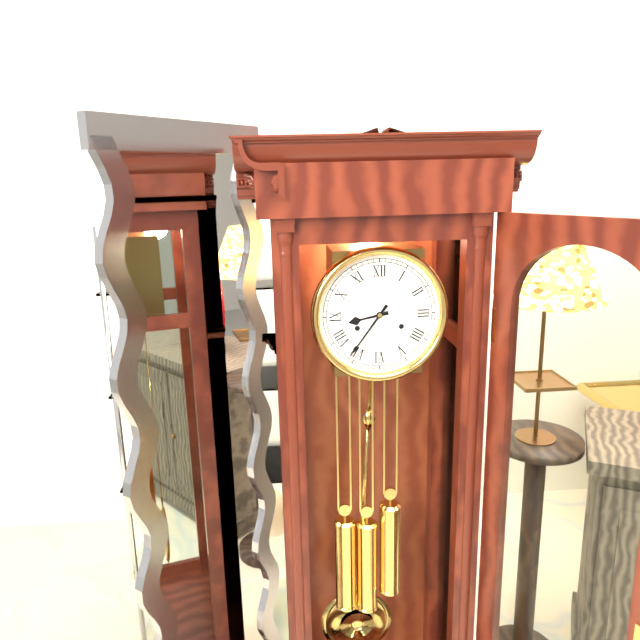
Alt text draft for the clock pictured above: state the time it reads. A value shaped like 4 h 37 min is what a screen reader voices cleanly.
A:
8 h 36 min
